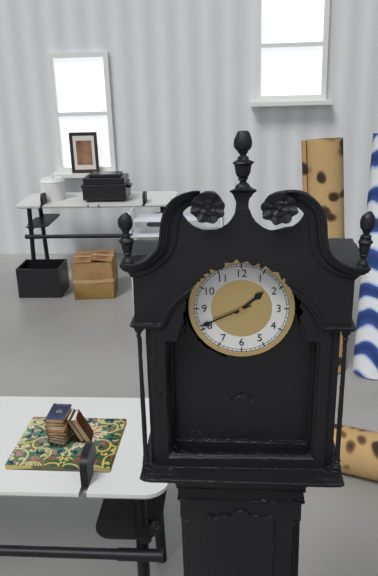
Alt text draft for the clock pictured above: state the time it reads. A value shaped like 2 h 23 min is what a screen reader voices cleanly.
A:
1 h 41 min
